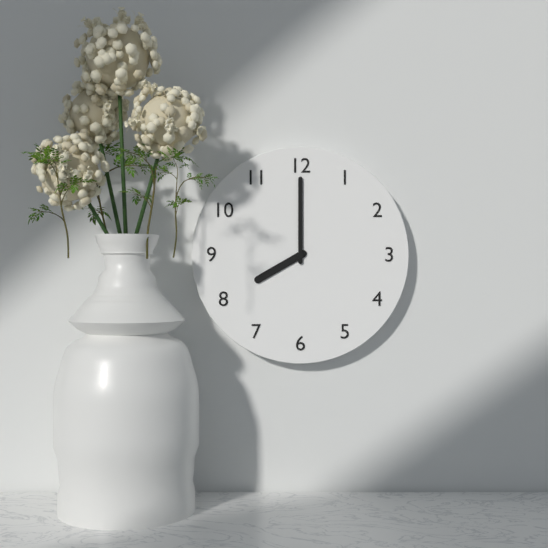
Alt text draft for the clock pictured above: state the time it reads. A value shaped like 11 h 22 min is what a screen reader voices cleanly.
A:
8 h 00 min
